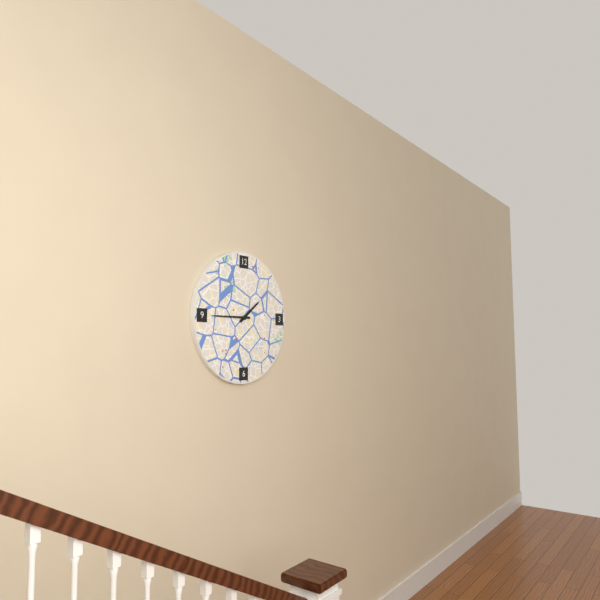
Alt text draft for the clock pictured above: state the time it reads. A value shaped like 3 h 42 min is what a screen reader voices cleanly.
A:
1 h 45 min
